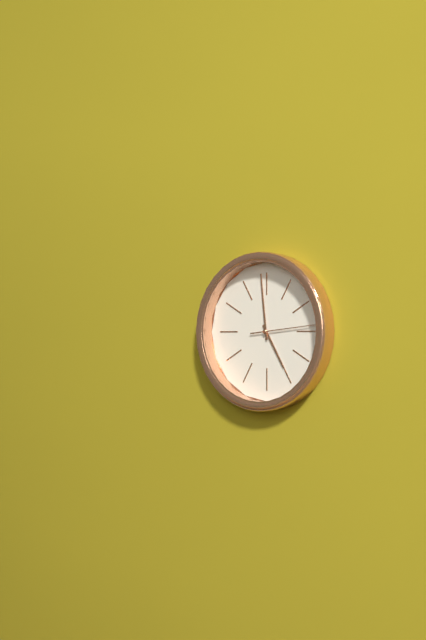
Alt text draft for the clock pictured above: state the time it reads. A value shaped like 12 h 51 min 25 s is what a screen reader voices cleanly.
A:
4 h 59 min 14 s
